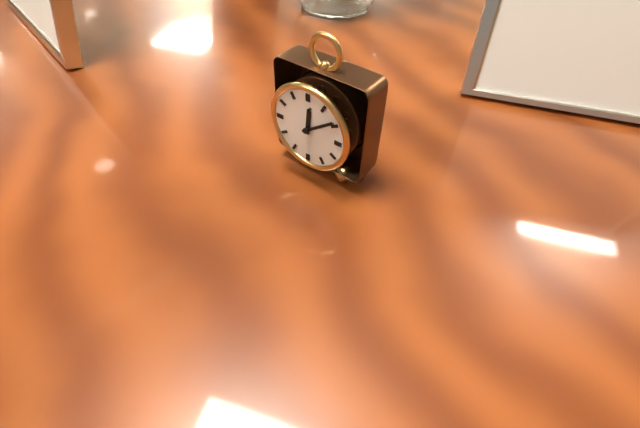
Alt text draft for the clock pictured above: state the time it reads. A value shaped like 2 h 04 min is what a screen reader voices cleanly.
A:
12 h 09 min
